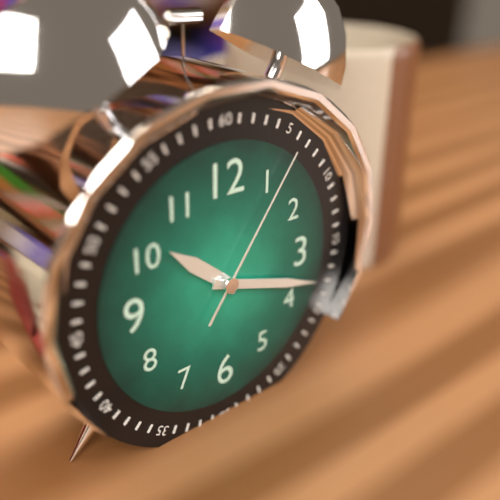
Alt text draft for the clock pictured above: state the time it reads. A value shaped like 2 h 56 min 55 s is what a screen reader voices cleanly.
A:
10 h 18 min 06 s
